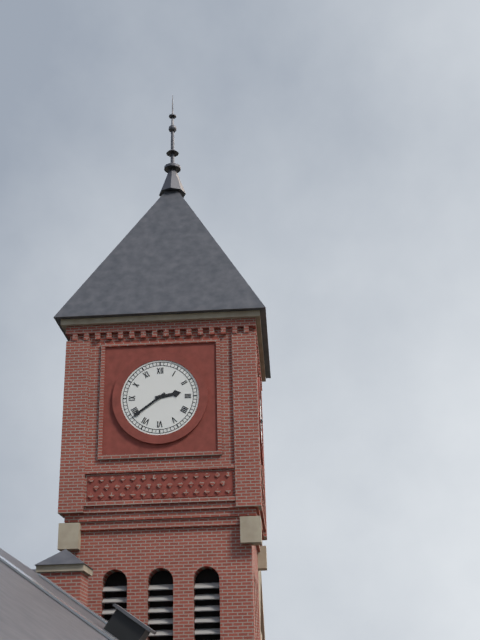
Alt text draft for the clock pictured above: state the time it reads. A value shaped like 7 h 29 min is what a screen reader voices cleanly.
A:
2 h 39 min
